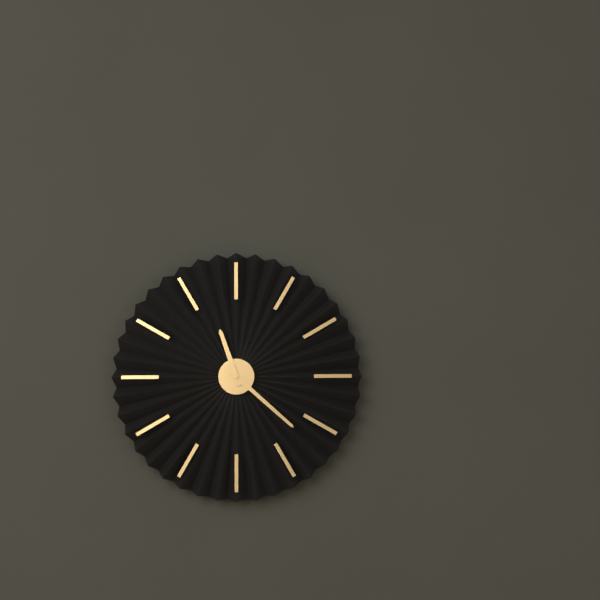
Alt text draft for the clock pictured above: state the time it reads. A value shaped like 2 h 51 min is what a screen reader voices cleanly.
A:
11 h 22 min
